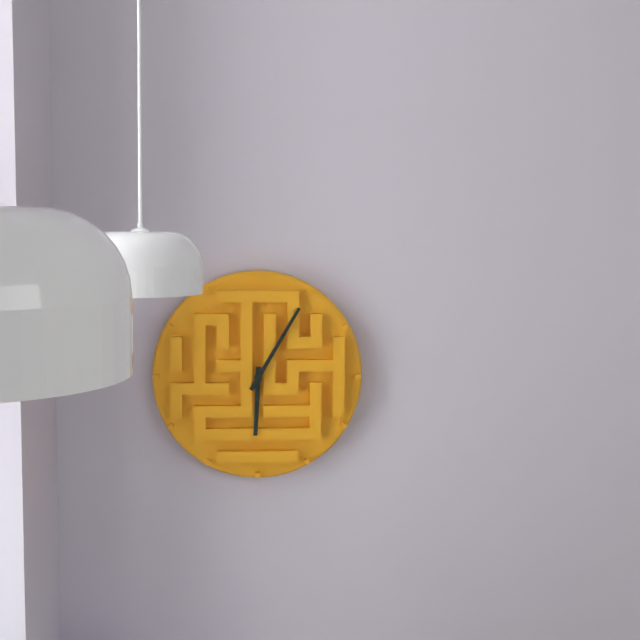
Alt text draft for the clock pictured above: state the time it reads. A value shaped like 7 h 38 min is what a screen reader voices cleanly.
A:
6 h 05 min
